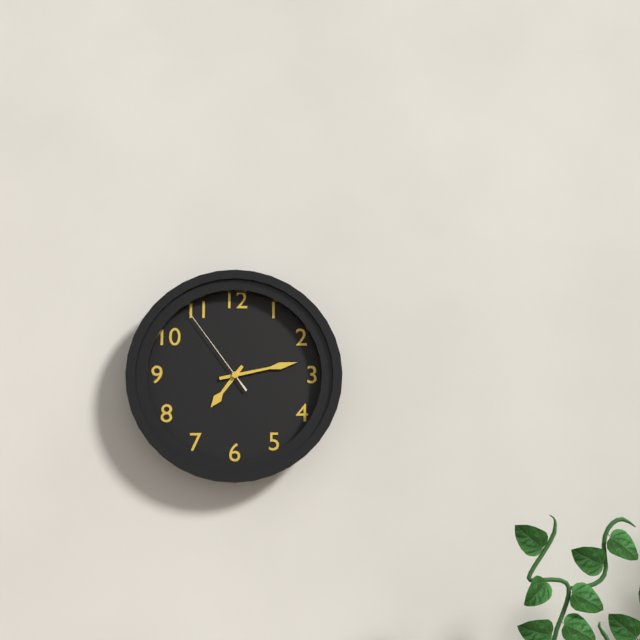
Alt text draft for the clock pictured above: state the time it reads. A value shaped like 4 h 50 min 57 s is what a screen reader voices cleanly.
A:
7 h 13 min 54 s
